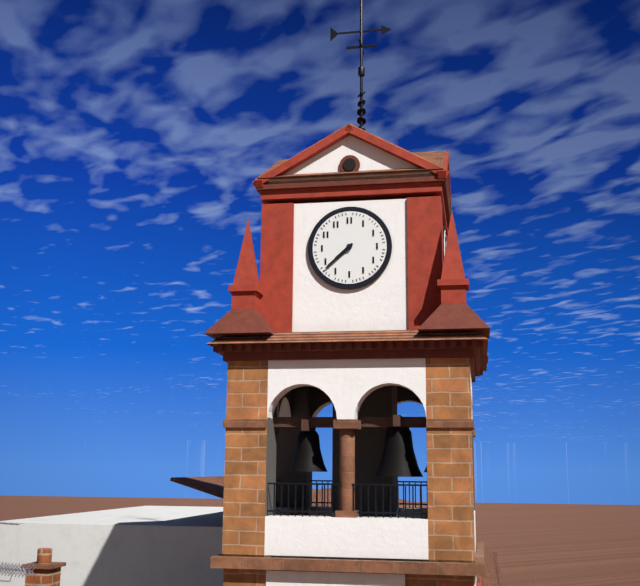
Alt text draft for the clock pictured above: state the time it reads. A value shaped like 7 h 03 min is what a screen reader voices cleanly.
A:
7 h 38 min
